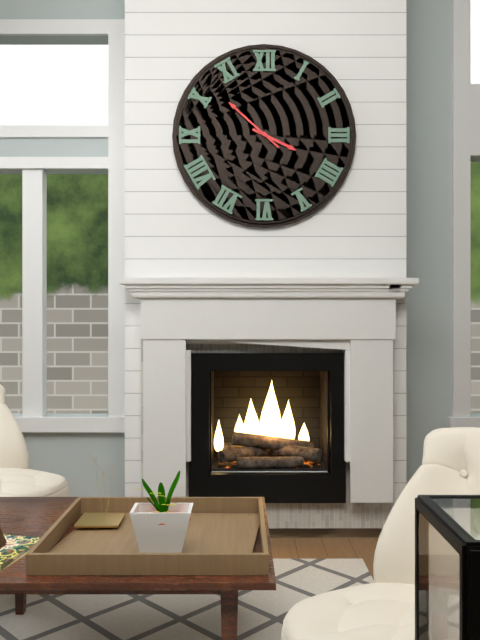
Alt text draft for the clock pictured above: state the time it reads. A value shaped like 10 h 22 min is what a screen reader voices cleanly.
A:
3 h 52 min
